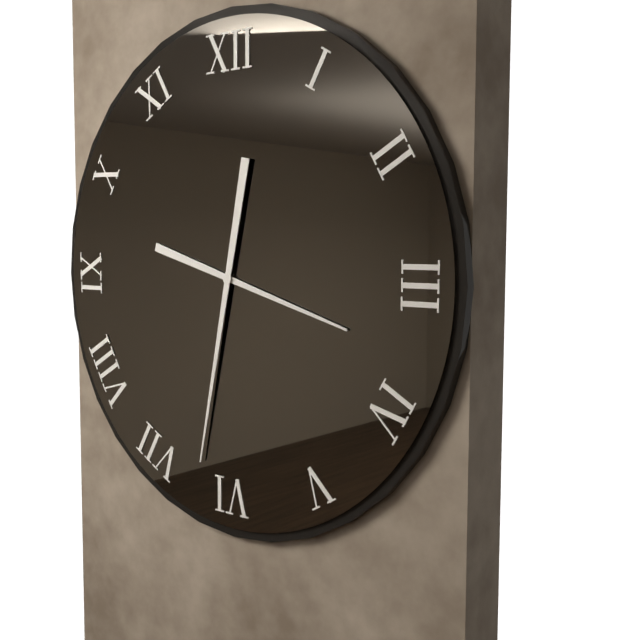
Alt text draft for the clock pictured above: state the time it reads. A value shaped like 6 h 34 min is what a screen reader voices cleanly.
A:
3 h 32 min
